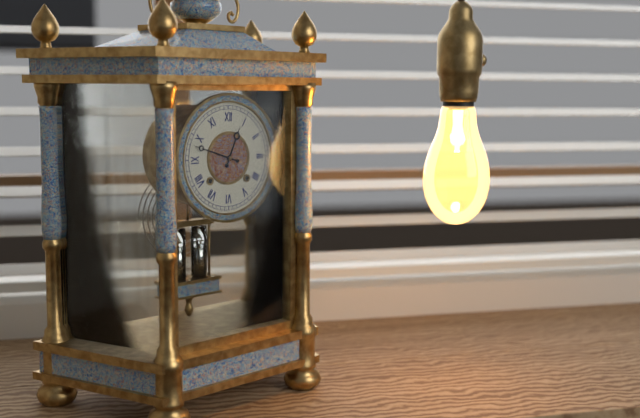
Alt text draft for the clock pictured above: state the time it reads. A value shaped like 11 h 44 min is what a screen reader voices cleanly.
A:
12 h 48 min
